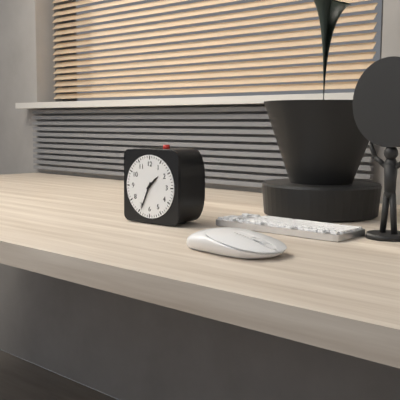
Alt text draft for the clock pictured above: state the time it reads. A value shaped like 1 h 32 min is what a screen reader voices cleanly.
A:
1 h 34 min
